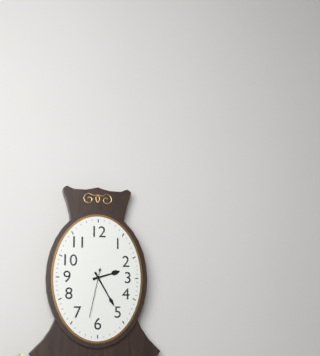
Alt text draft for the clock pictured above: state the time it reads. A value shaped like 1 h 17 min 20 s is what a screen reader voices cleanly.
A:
2 h 25 min 32 s
